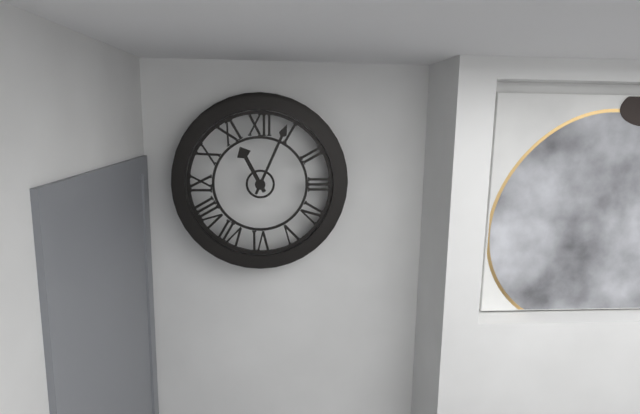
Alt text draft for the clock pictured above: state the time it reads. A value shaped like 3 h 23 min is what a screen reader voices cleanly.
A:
11 h 04 min
